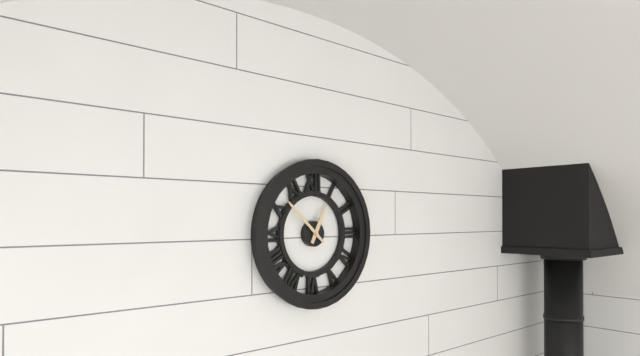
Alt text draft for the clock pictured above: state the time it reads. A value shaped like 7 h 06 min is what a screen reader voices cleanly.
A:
12 h 52 min
